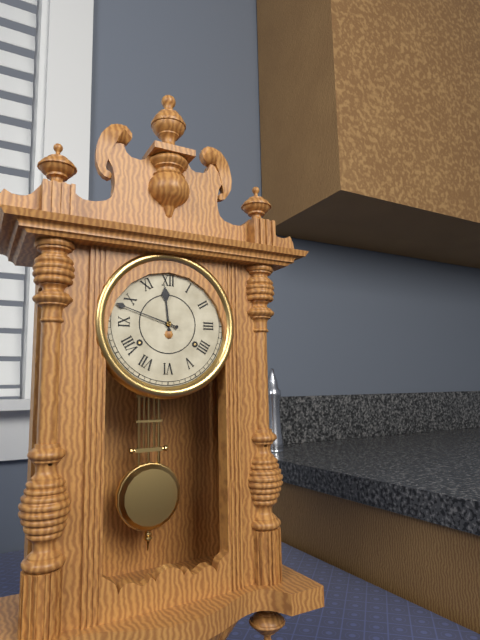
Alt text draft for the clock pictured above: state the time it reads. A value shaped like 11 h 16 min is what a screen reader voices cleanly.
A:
11 h 48 min
